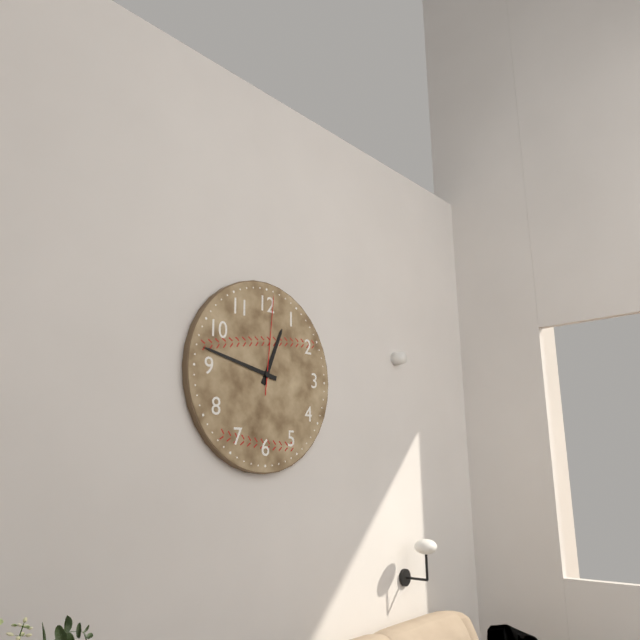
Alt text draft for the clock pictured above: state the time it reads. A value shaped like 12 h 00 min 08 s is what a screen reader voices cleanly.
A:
12 h 47 min 01 s
